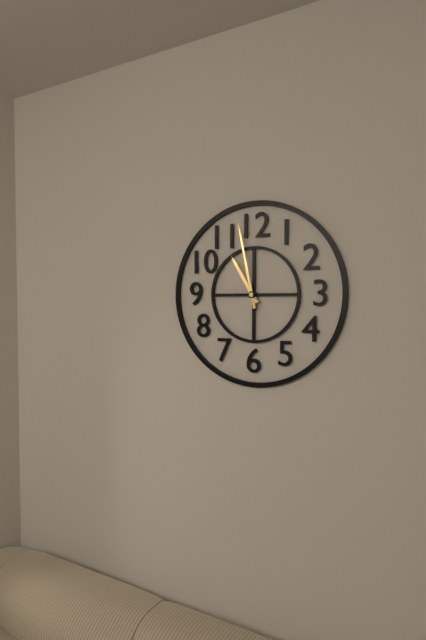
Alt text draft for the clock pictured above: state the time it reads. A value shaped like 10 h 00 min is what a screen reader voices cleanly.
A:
10 h 58 min
